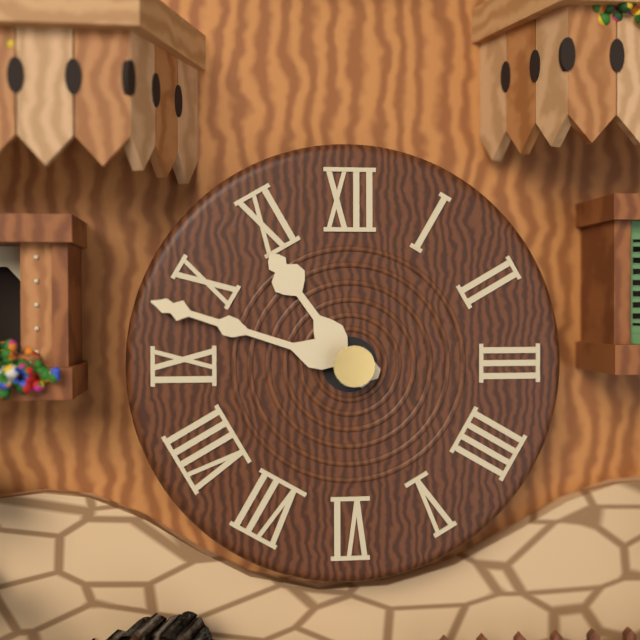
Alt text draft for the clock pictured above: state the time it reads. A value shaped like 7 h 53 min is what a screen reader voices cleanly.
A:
10 h 48 min
